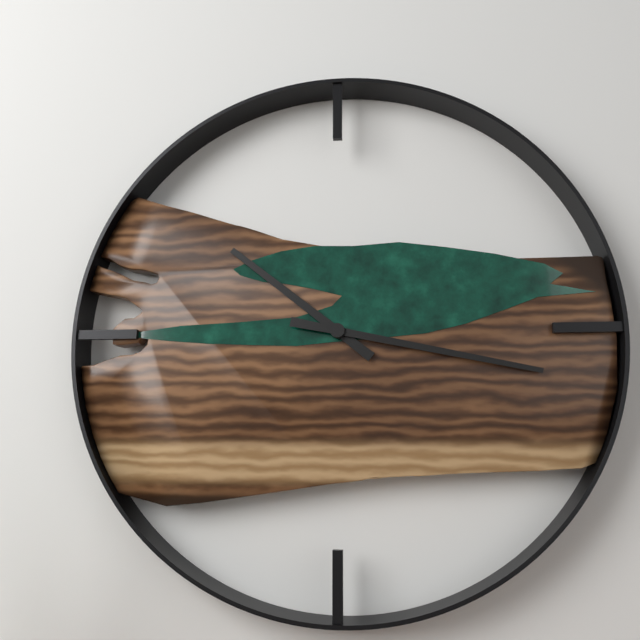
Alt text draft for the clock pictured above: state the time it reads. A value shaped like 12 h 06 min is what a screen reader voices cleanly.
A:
10 h 17 min
